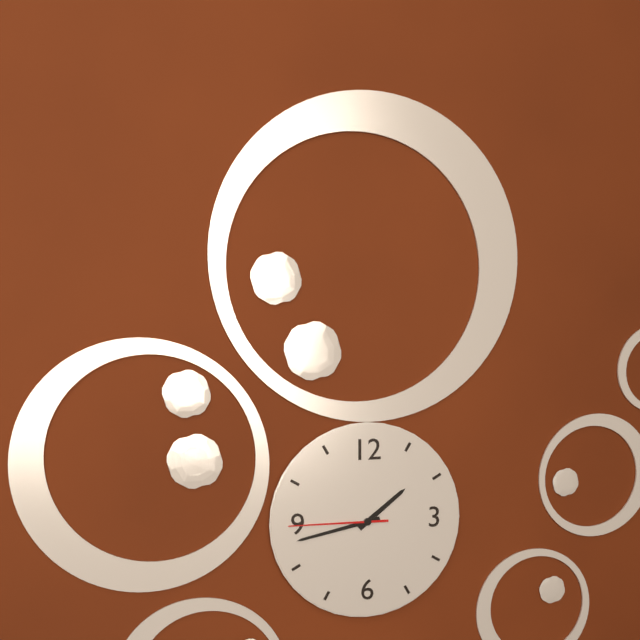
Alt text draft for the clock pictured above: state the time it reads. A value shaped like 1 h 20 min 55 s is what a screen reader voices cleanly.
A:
1 h 43 min 45 s
